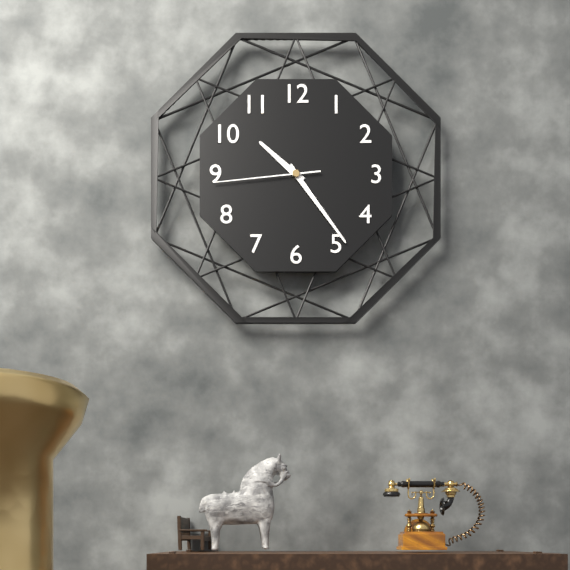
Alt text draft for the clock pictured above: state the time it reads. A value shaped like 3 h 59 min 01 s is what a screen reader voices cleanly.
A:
10 h 24 min 44 s
